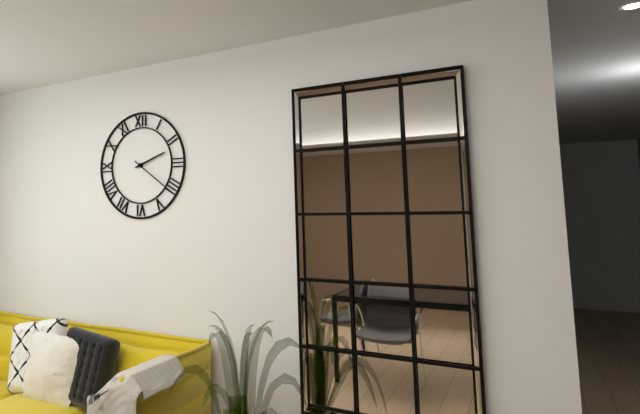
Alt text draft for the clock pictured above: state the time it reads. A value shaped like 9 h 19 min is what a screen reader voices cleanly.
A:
2 h 21 min
